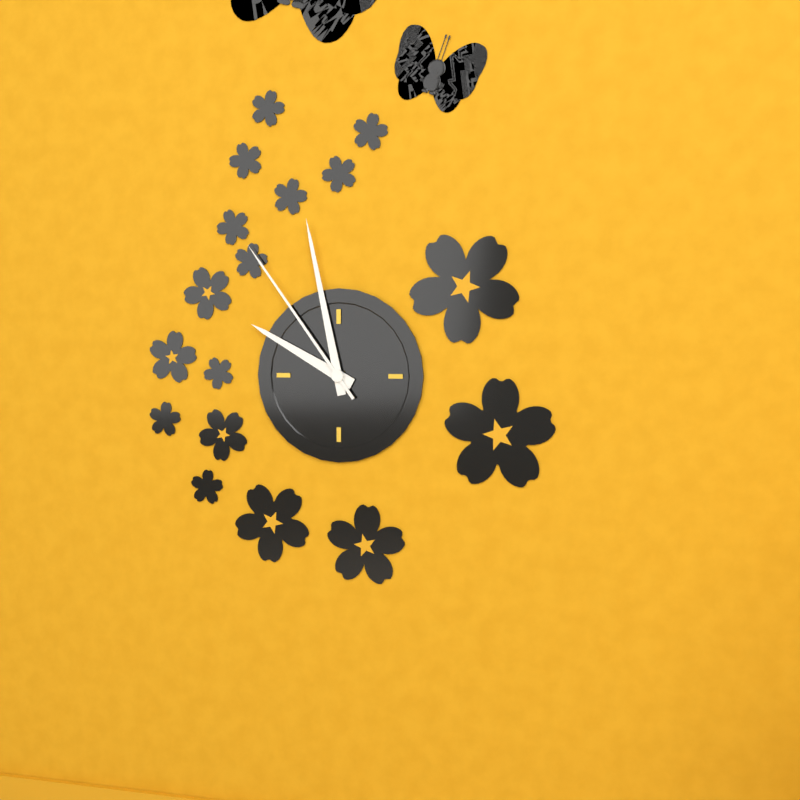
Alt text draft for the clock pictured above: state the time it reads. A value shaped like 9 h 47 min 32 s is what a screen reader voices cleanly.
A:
9 h 58 min 54 s
